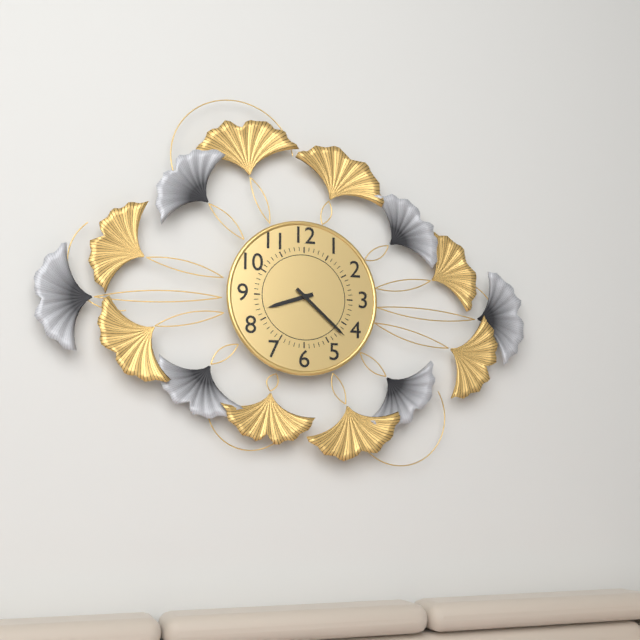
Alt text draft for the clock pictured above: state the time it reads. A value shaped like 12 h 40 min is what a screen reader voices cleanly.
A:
8 h 22 min
